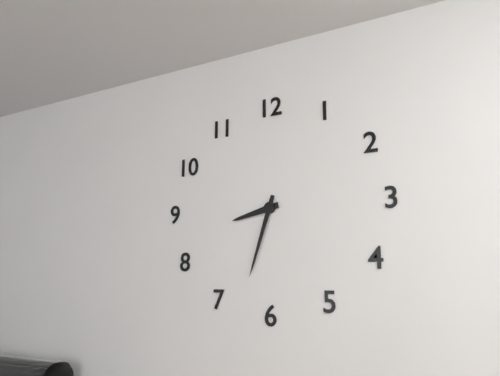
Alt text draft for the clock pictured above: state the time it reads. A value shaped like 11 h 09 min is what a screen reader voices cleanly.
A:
8 h 33 min
